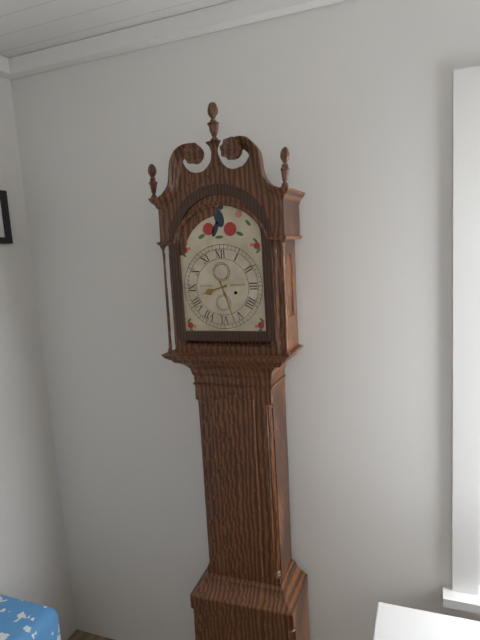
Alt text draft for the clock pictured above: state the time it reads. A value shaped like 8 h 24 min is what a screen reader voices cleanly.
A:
8 h 27 min
